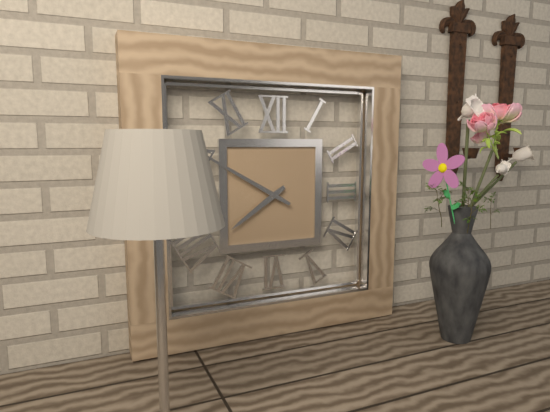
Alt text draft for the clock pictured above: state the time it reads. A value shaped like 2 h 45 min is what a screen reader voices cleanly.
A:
7 h 50 min
